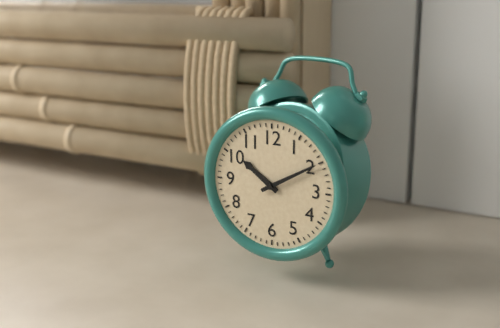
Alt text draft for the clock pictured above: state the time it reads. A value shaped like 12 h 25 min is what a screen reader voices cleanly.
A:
10 h 10 min
